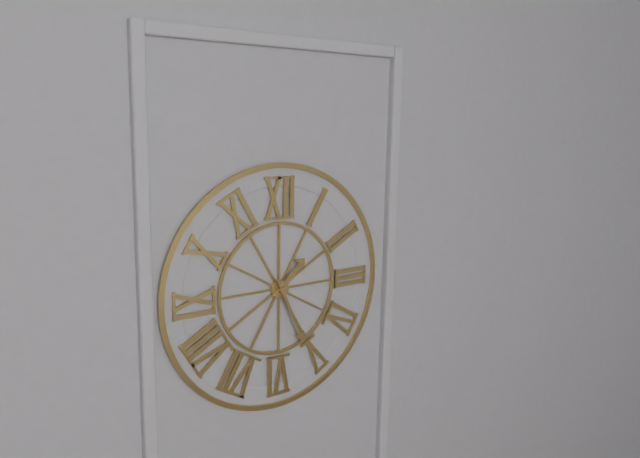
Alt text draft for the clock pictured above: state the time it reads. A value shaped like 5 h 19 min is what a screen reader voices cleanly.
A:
1 h 26 min
